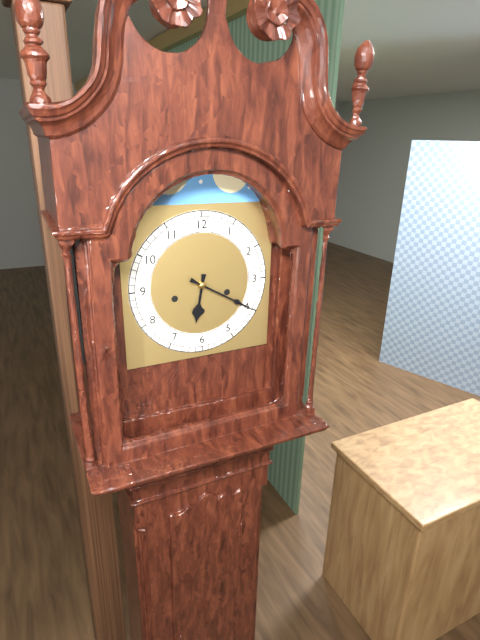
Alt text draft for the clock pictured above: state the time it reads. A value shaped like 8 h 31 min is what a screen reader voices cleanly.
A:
6 h 20 min
